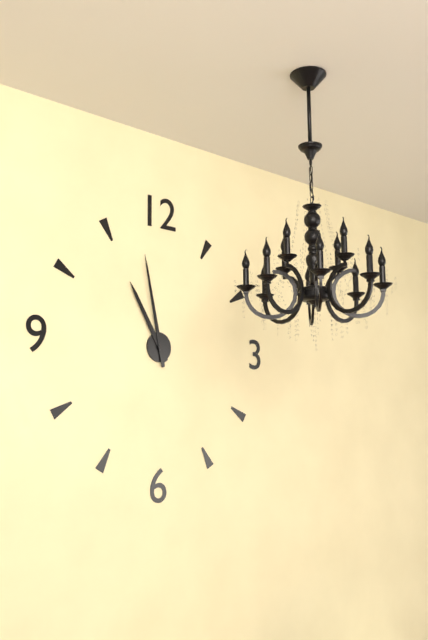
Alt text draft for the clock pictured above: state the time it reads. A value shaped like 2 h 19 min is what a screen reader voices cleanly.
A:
10 h 58 min
